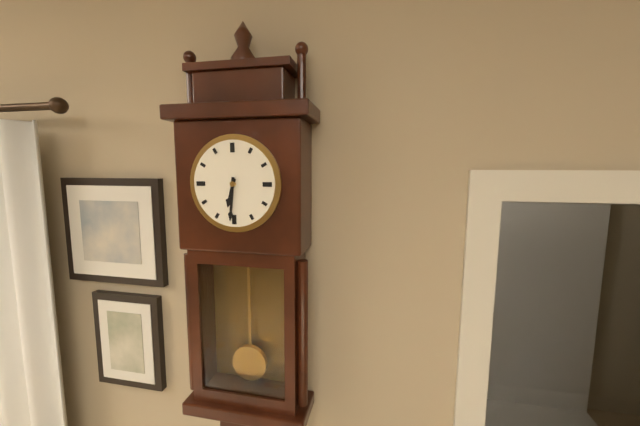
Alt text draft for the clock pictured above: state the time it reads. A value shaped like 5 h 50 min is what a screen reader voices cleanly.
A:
6 h 31 min
